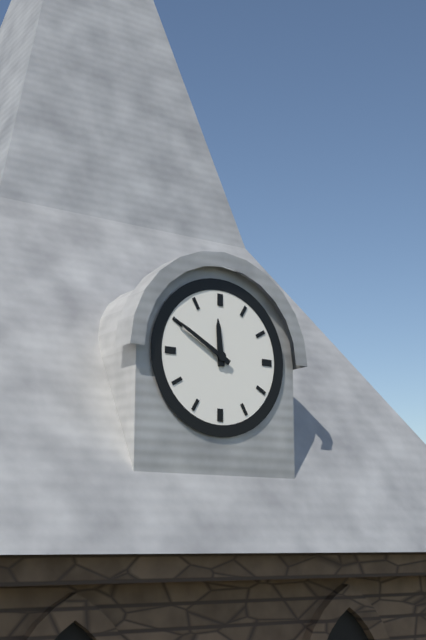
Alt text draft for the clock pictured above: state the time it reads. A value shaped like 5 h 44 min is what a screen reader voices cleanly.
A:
11 h 50 min
